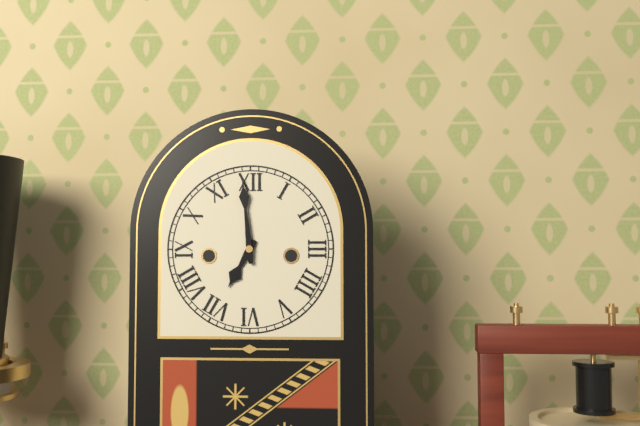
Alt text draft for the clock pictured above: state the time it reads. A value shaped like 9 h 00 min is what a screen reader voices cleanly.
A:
6 h 59 min
